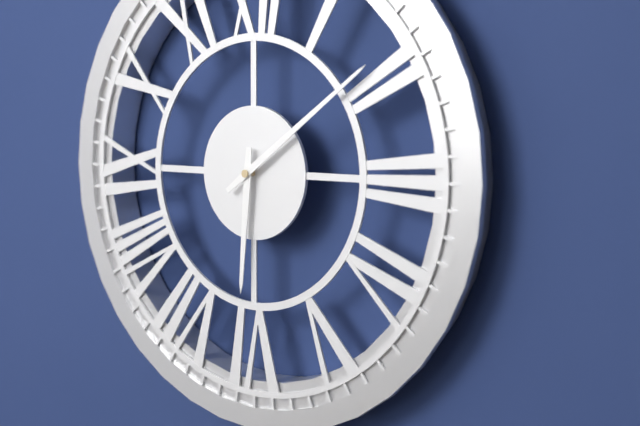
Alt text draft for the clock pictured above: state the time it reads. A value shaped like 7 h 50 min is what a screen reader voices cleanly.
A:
6 h 09 min
